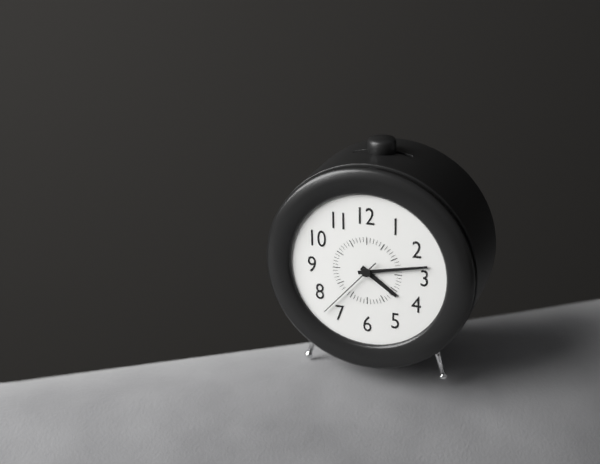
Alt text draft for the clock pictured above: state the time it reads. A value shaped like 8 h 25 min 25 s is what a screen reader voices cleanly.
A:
4 h 13 min 37 s
